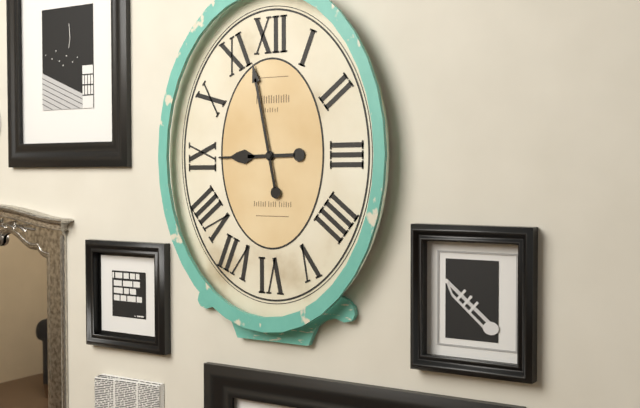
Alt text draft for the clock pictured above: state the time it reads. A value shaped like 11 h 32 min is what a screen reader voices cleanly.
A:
8 h 58 min
